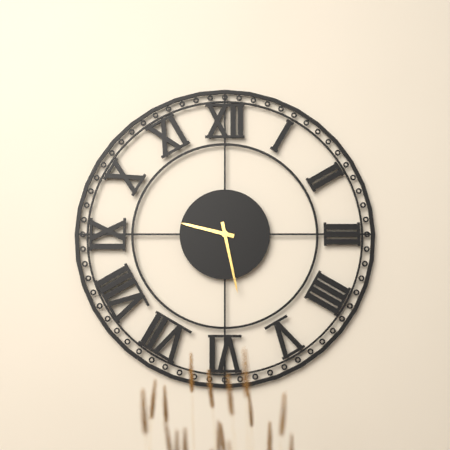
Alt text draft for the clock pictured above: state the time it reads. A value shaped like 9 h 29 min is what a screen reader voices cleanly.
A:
9 h 28 min
